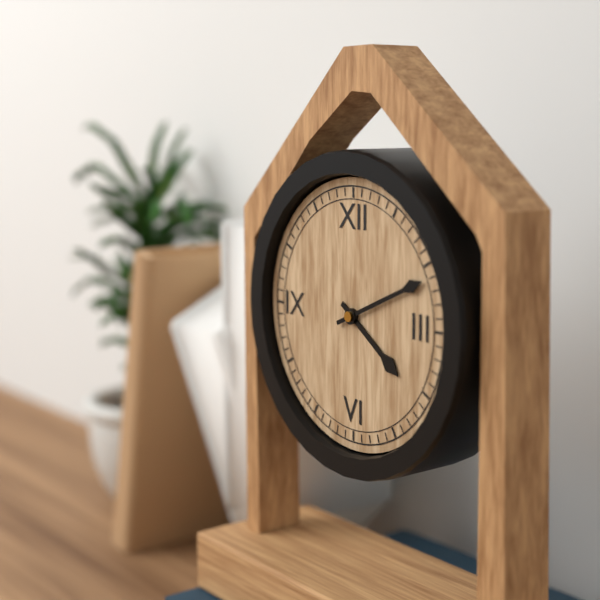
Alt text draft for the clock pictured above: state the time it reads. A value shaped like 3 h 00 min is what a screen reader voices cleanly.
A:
4 h 11 min
